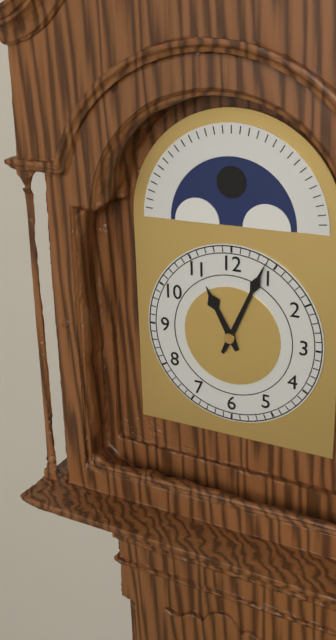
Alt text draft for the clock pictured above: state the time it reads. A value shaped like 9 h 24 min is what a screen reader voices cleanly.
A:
11 h 04 min
